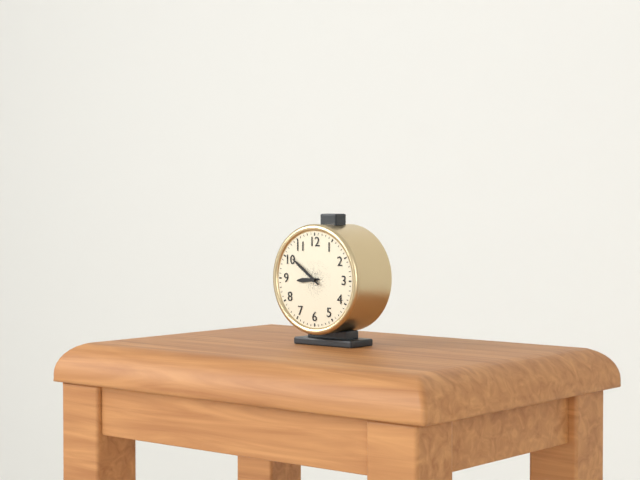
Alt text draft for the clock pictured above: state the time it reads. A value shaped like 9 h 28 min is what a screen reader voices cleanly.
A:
8 h 51 min
